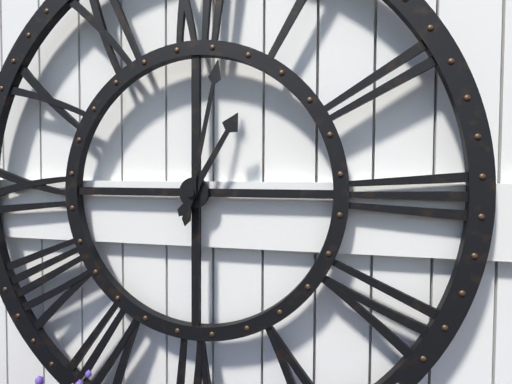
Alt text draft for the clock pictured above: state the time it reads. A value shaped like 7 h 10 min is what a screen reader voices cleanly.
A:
1 h 02 min
